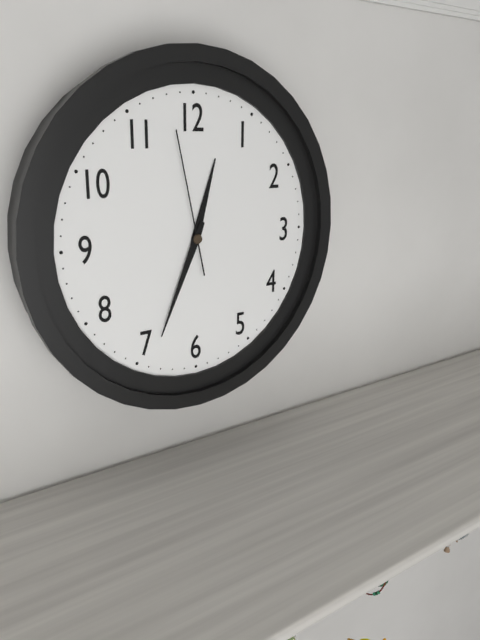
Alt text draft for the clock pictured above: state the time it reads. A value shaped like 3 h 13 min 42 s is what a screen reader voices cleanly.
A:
12 h 34 min 58 s
